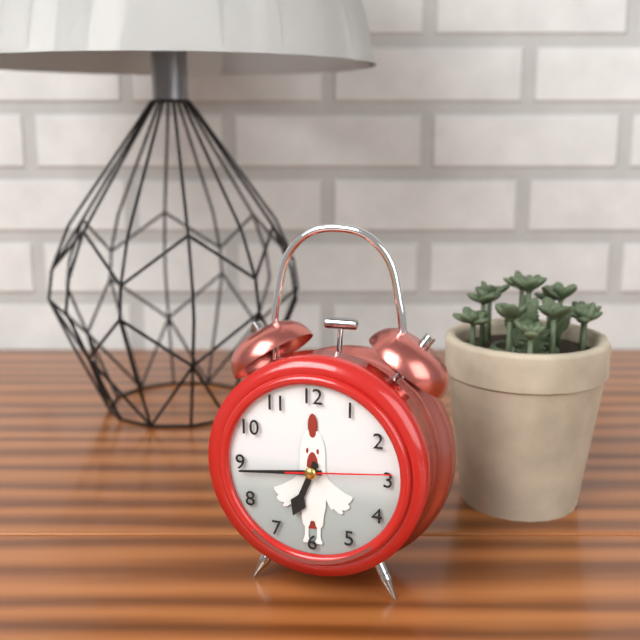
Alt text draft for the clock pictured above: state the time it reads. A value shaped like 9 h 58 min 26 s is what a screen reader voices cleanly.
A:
6 h 44 min 14 s
